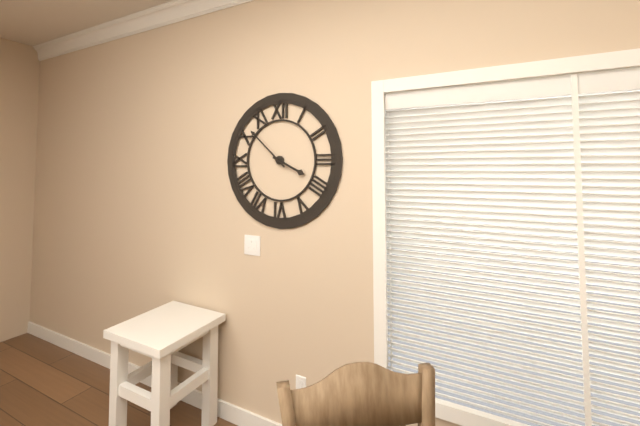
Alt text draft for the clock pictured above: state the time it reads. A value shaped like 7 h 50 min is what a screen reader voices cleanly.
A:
3 h 52 min
